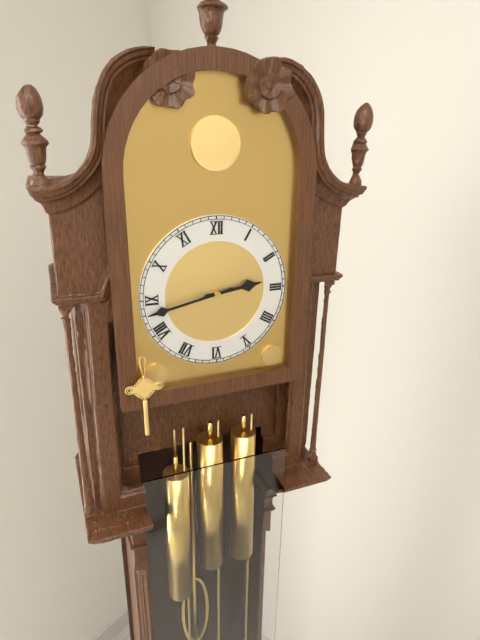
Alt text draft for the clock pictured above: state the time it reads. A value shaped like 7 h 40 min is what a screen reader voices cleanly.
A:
2 h 43 min
